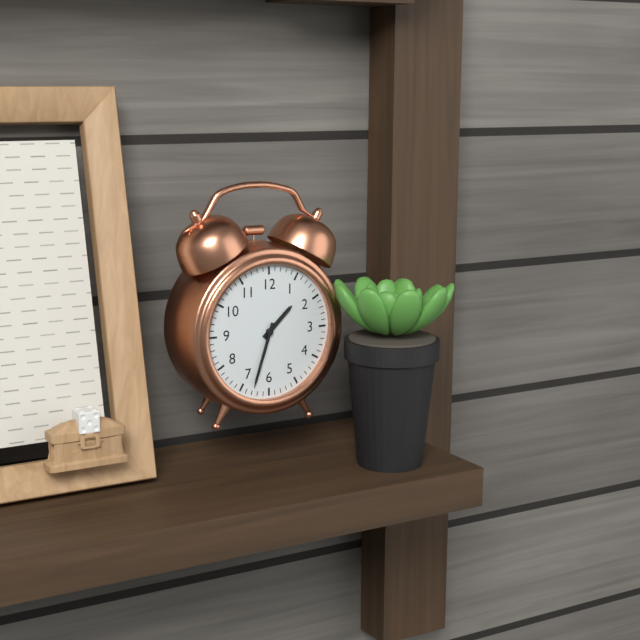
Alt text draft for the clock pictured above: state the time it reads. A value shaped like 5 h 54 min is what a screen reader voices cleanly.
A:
1 h 33 min
